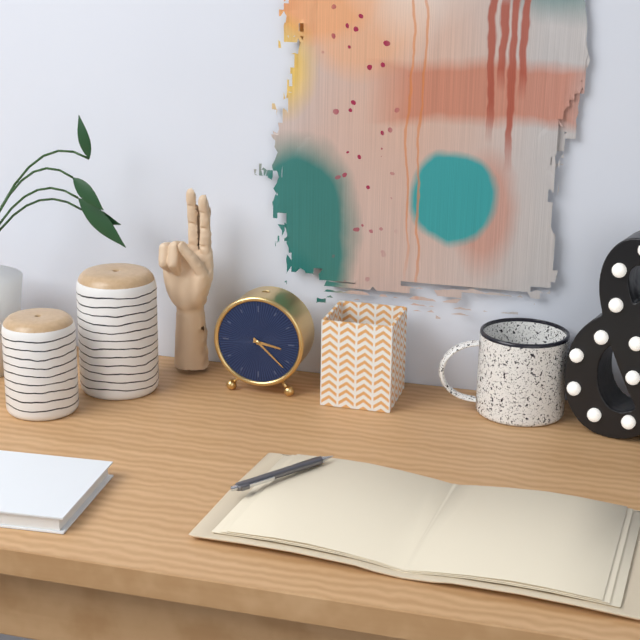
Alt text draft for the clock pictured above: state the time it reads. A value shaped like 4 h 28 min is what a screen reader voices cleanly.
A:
3 h 22 min
